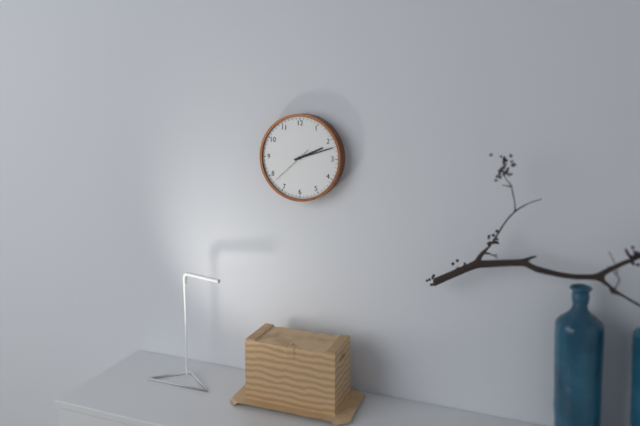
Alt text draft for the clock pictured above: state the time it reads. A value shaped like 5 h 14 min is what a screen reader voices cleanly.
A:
2 h 12 min
